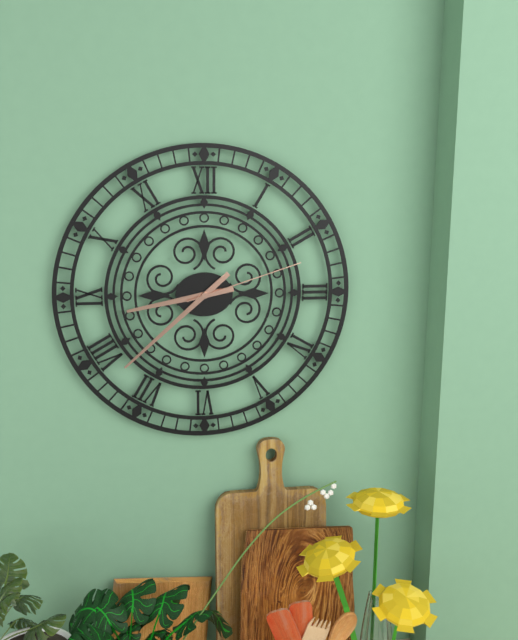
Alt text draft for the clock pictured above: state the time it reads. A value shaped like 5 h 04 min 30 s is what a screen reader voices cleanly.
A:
8 h 38 min 12 s
